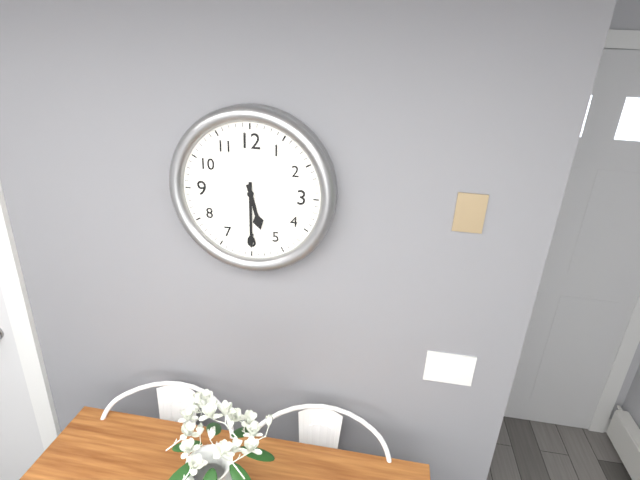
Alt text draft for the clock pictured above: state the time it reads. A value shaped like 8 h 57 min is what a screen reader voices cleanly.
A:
5 h 30 min
